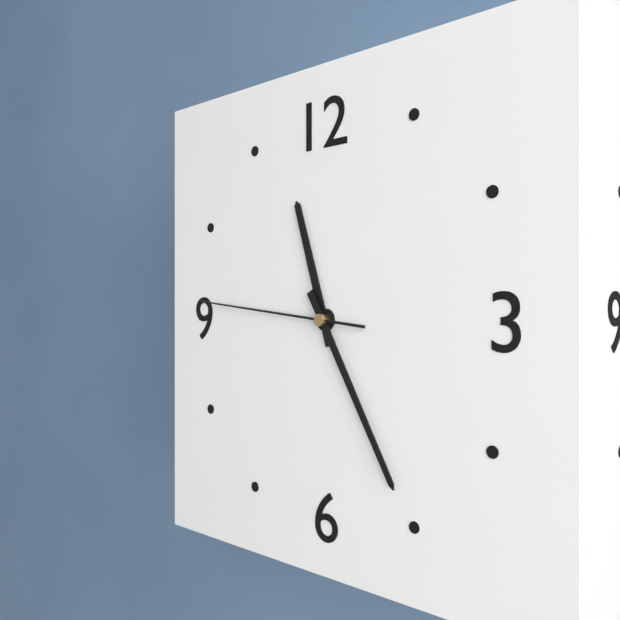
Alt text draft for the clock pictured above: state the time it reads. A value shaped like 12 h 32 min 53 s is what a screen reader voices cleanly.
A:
11 h 25 min 46 s
